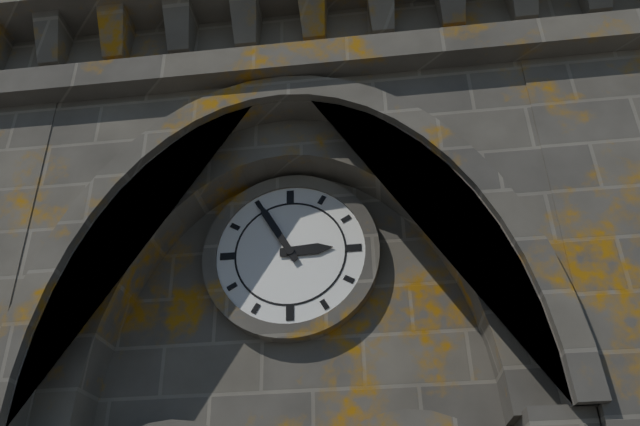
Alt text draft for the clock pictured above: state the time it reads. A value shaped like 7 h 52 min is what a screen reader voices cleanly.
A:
2 h 55 min
